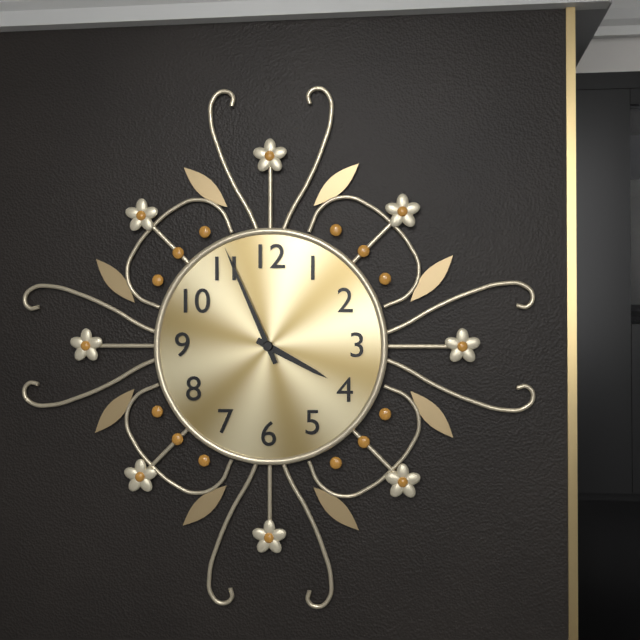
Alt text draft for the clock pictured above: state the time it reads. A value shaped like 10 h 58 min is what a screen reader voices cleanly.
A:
3 h 56 min
